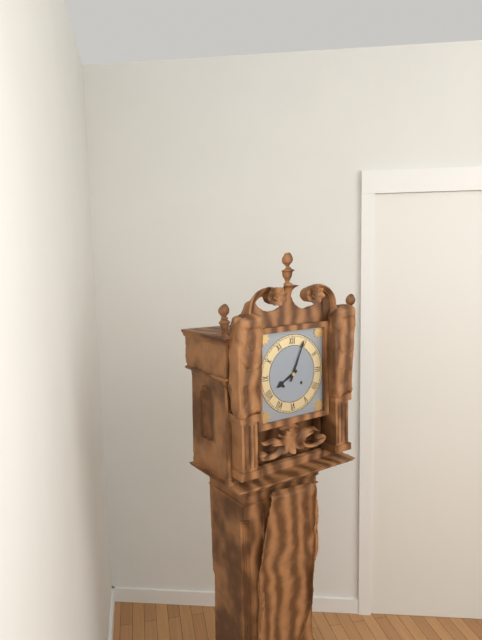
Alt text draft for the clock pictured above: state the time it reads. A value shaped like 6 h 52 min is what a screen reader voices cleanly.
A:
8 h 04 min
